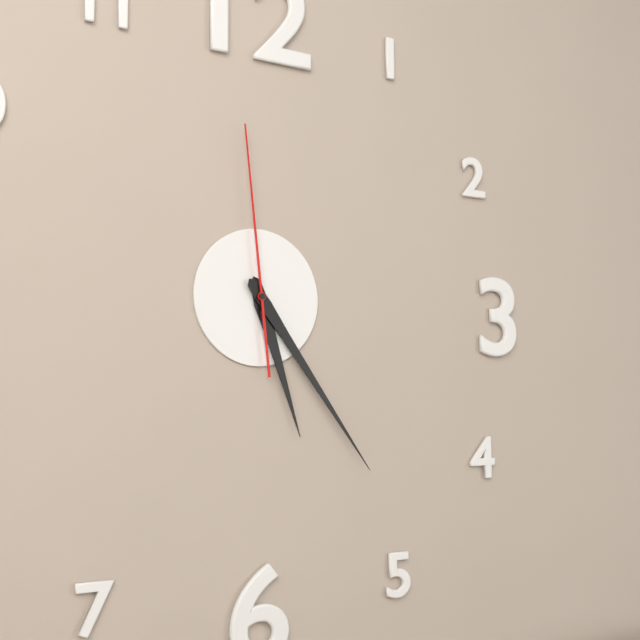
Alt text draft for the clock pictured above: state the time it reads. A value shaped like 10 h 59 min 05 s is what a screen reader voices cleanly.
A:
5 h 24 min 59 s
